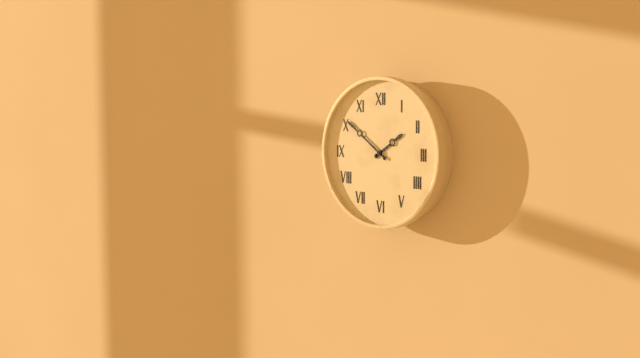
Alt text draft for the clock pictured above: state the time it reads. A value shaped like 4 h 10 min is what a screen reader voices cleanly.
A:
1 h 51 min
